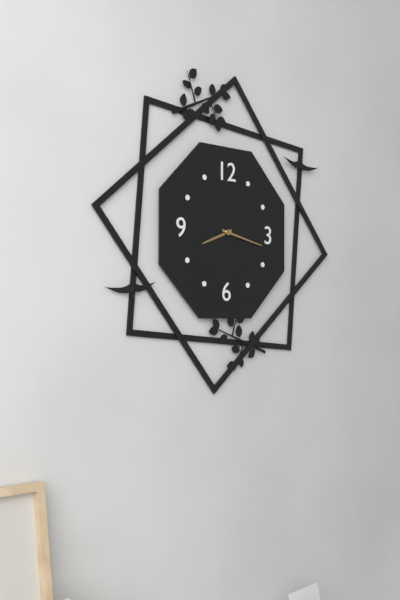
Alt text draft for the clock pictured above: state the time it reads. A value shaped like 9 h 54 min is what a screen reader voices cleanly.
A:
8 h 17 min
